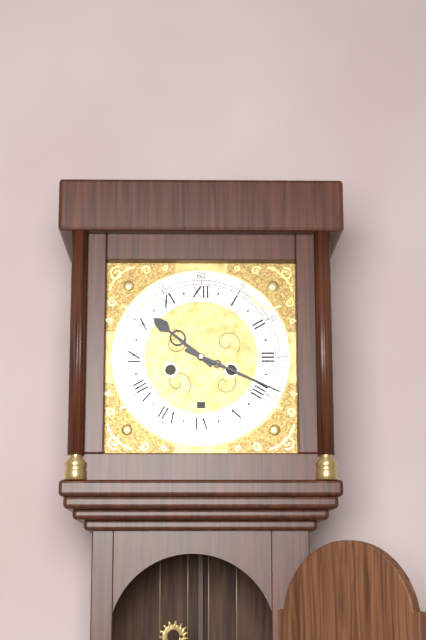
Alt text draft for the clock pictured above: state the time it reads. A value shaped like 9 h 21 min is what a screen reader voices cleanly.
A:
10 h 19 min
